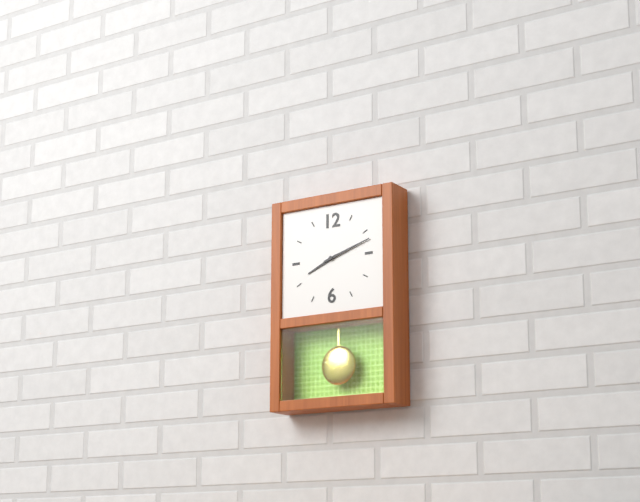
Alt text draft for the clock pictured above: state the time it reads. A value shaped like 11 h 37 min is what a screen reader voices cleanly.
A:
8 h 12 min
